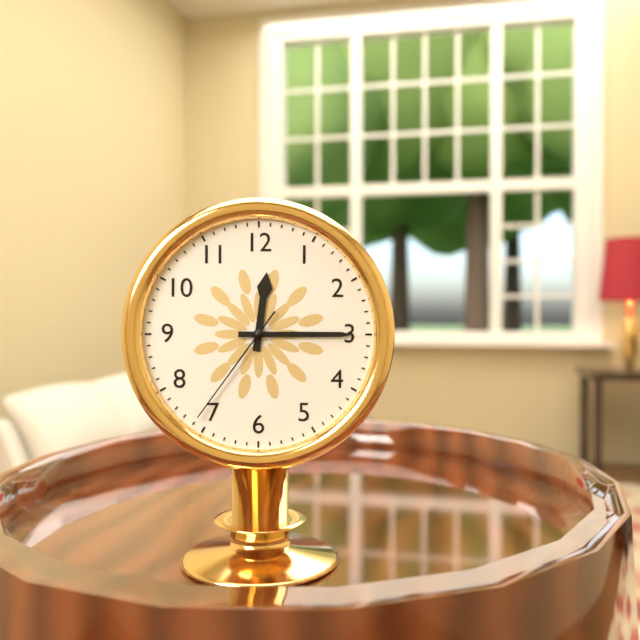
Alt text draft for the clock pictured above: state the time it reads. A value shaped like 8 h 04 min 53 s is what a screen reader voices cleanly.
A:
12 h 15 min 36 s
